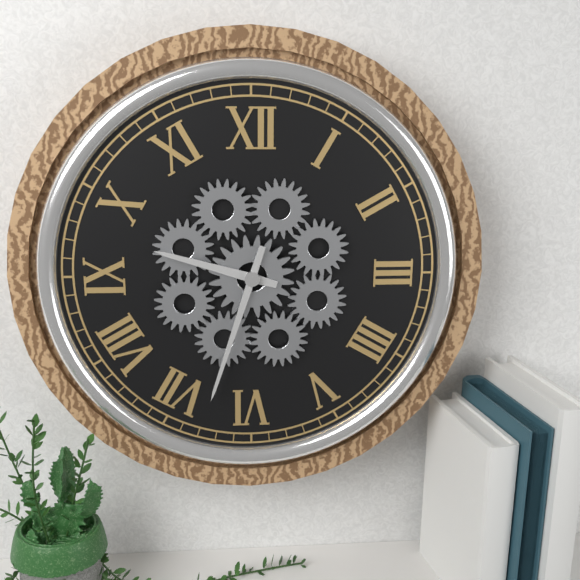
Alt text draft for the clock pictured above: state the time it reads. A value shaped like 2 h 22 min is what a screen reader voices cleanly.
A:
9 h 33 min
